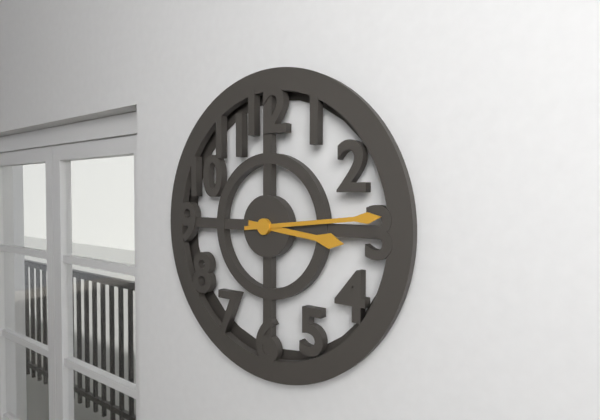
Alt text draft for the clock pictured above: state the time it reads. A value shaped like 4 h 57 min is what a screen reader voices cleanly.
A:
3 h 14 min
